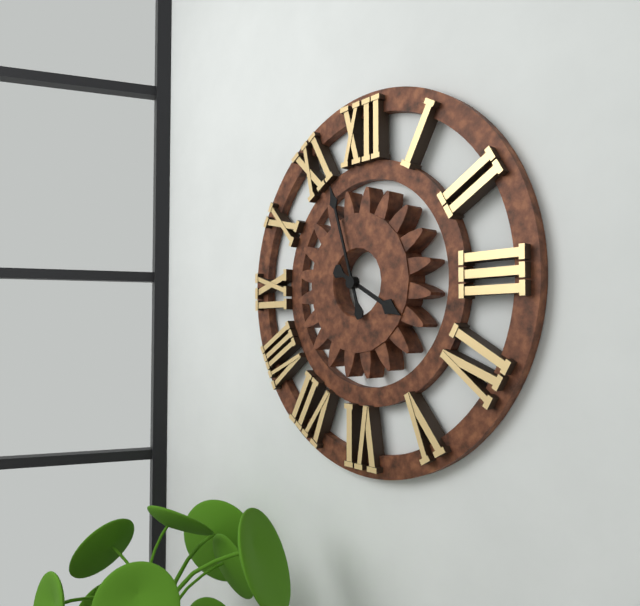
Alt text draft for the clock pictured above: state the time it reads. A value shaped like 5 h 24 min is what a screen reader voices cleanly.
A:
3 h 57 min
